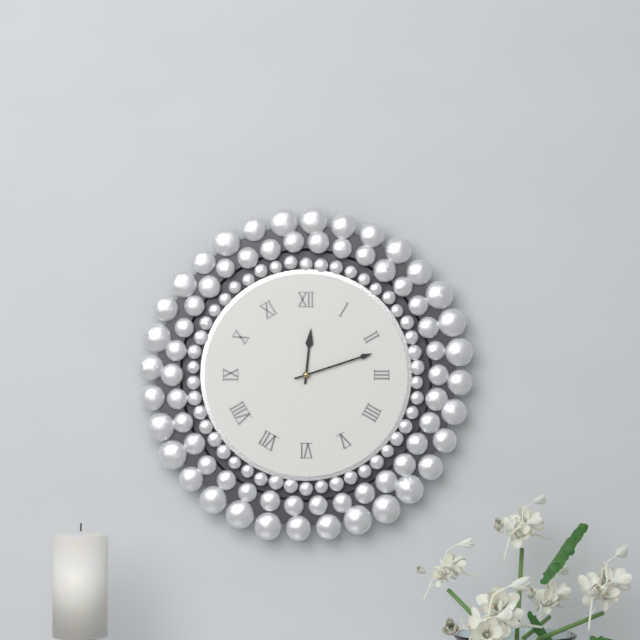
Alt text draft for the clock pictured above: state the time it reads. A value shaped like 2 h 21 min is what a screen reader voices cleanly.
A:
12 h 12 min
